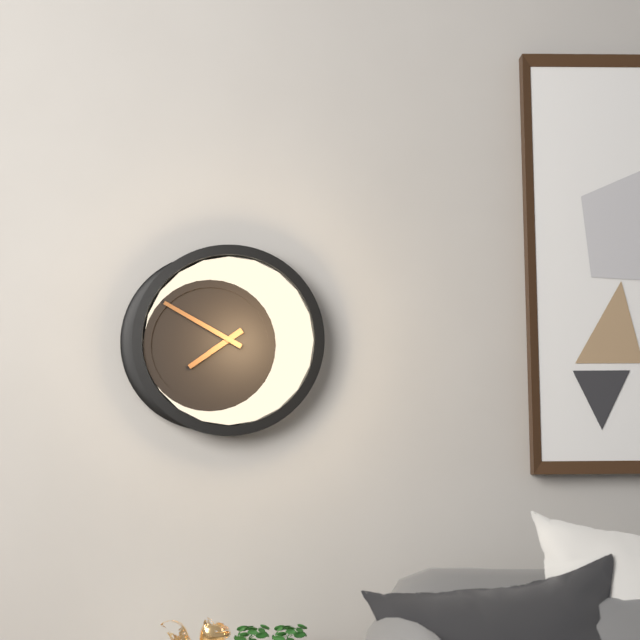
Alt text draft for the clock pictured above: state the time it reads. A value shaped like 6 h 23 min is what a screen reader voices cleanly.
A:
7 h 50 min
